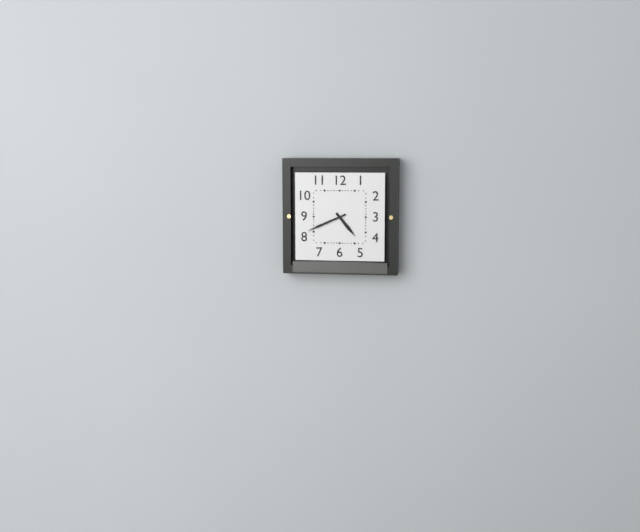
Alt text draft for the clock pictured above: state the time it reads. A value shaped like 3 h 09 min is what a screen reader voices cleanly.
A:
4 h 41 min
